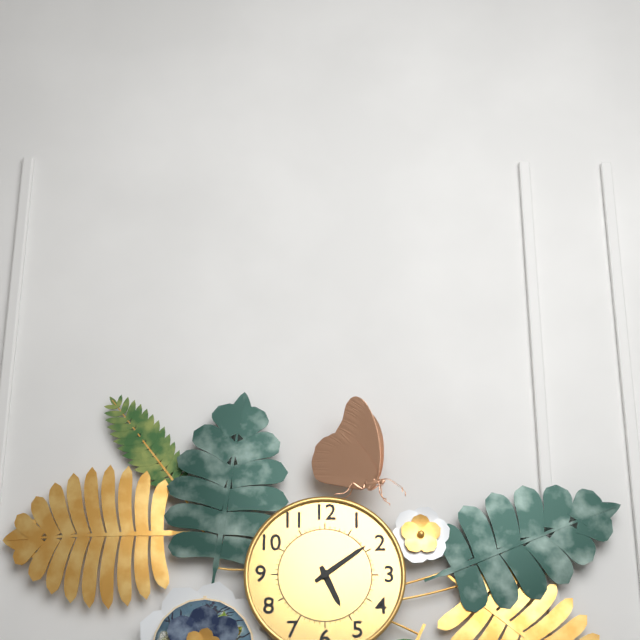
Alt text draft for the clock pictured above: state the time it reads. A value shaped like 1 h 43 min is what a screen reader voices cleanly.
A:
5 h 09 min
